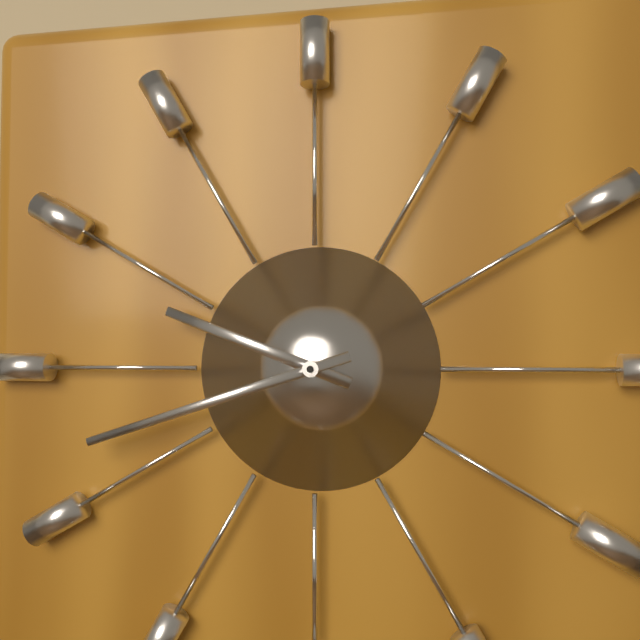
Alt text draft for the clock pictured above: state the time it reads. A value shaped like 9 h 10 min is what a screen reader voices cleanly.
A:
9 h 42 min
